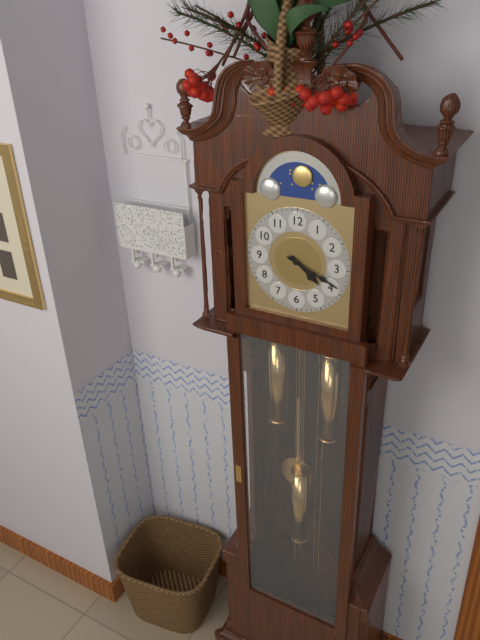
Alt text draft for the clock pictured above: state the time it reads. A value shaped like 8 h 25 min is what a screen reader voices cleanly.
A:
4 h 19 min
